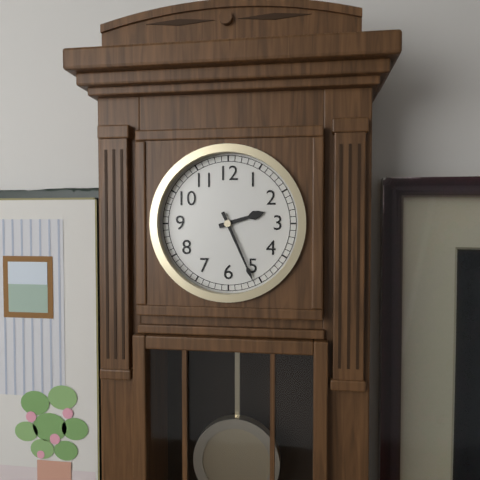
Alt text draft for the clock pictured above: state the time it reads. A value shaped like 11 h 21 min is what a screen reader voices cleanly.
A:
2 h 26 min
